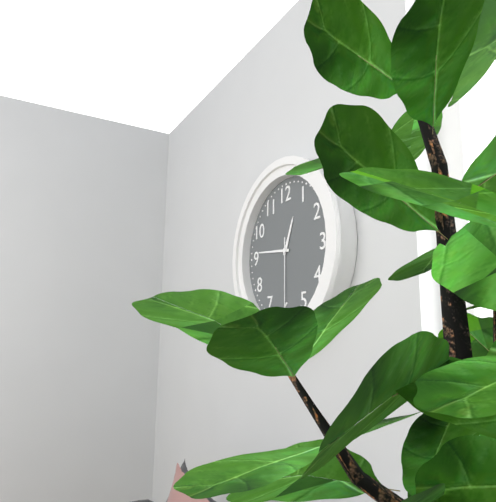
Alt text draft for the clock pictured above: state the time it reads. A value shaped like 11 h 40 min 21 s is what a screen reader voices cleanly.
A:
12 h 46 min 30 s
